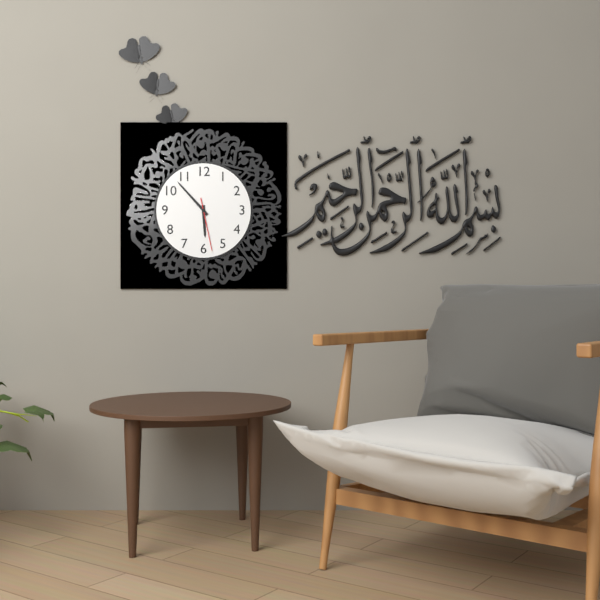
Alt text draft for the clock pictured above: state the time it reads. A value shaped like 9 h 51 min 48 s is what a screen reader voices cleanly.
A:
5 h 53 min 28 s
